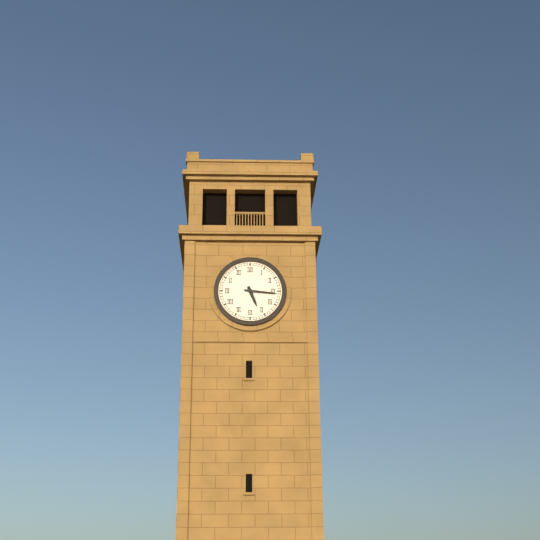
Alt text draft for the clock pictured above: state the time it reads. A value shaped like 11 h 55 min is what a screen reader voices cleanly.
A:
5 h 16 min
